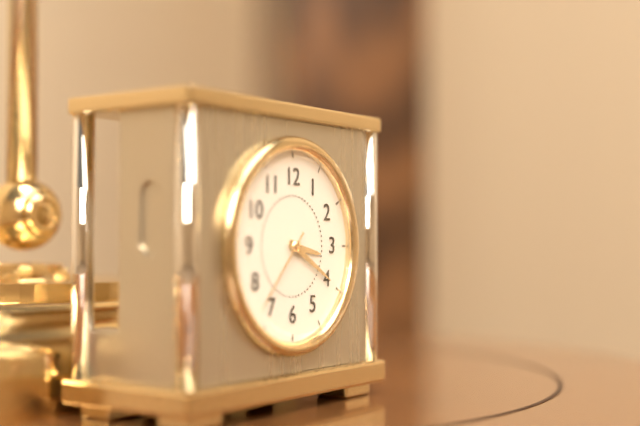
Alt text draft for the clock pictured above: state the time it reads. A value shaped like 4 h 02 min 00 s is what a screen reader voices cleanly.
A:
3 h 20 min 37 s
